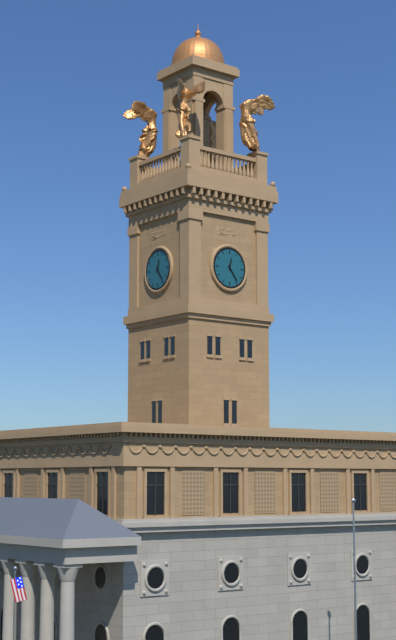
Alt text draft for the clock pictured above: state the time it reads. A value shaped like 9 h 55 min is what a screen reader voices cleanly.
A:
12 h 24 min
